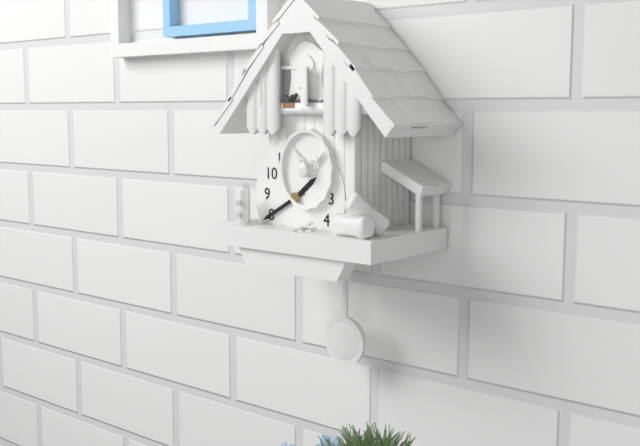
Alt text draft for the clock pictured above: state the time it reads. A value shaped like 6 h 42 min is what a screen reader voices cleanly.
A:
1 h 40 min
